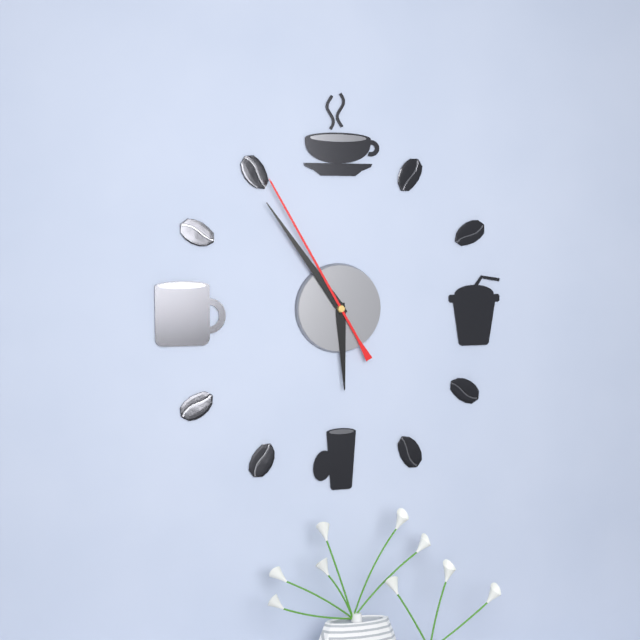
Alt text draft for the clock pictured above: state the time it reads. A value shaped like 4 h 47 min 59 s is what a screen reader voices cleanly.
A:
5 h 54 min 55 s
